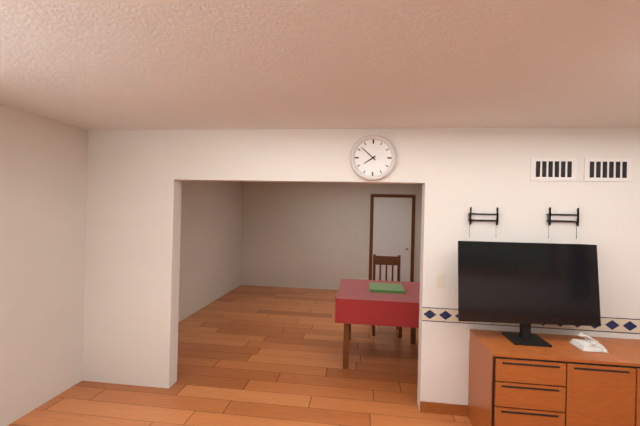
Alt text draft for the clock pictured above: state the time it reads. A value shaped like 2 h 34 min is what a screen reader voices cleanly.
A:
7 h 52 min
